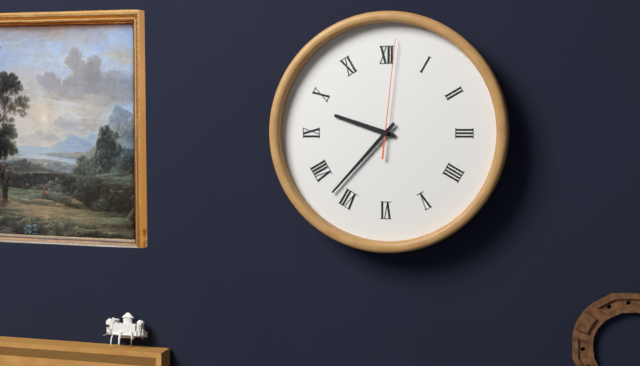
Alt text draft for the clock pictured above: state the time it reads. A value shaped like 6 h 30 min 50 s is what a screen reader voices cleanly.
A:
9 h 37 min 01 s
